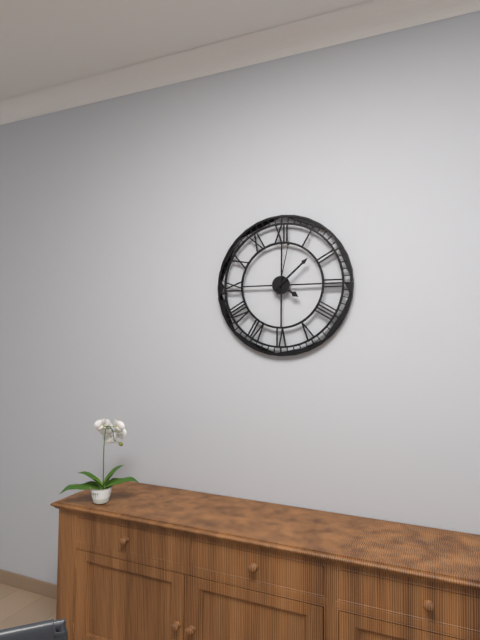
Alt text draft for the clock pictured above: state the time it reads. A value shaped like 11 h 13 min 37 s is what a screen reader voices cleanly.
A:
4 h 08 min 02 s
